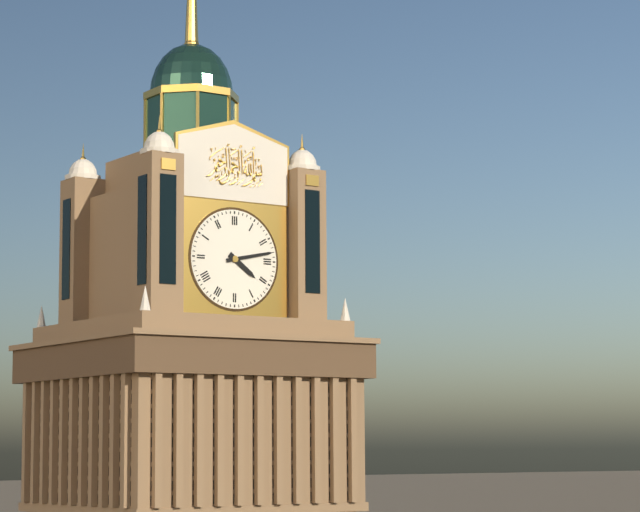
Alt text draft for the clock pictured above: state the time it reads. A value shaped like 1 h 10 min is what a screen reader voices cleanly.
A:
4 h 13 min
